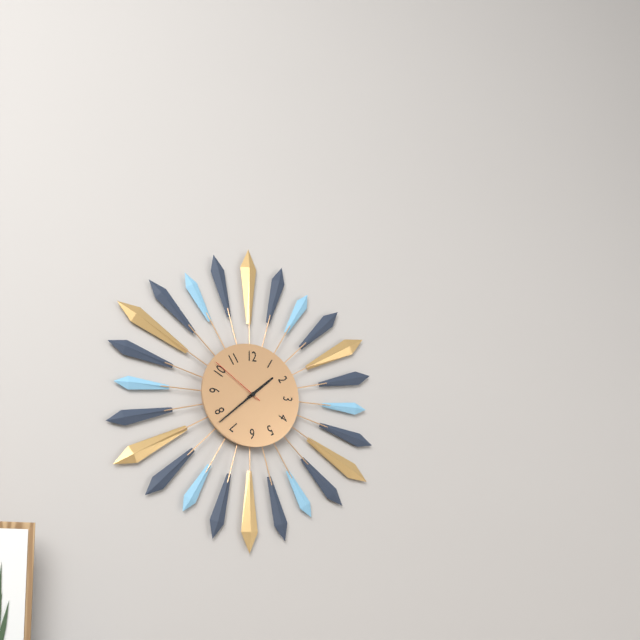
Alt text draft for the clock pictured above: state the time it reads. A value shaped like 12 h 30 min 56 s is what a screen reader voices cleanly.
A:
1 h 38 min 51 s
